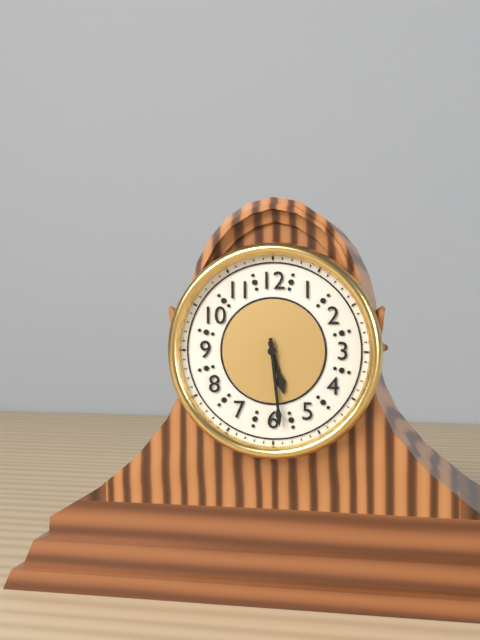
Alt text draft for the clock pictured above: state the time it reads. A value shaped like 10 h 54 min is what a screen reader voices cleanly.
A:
5 h 29 min
